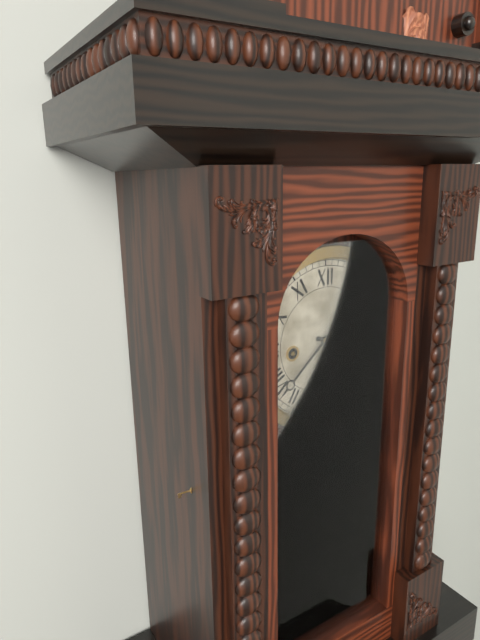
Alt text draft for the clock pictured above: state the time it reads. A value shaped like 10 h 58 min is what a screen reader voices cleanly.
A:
3 h 38 min
